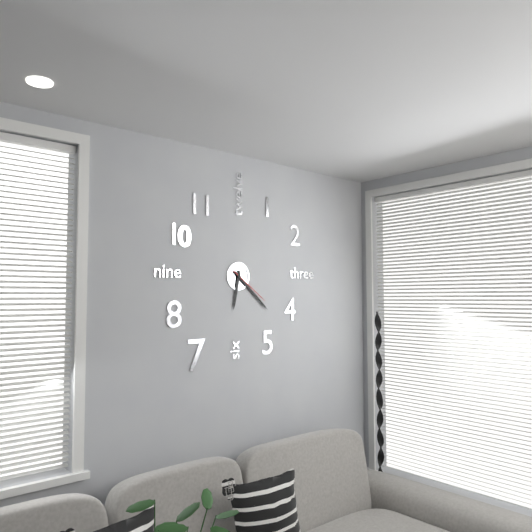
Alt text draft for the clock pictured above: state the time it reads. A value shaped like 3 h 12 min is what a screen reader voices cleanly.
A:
6 h 22 min
